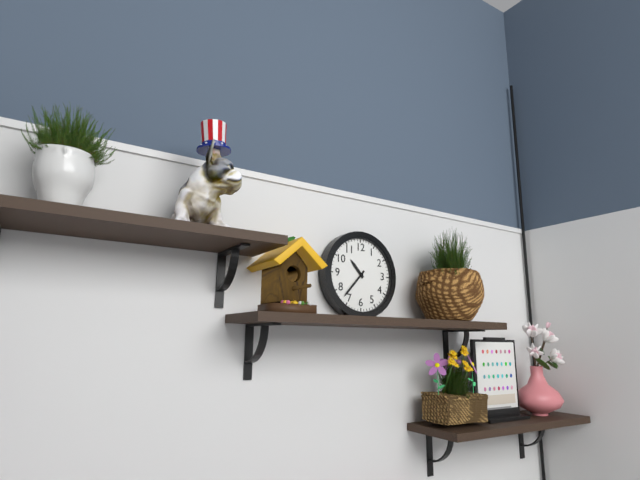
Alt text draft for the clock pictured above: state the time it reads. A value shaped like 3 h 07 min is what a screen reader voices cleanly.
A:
10 h 37 min
